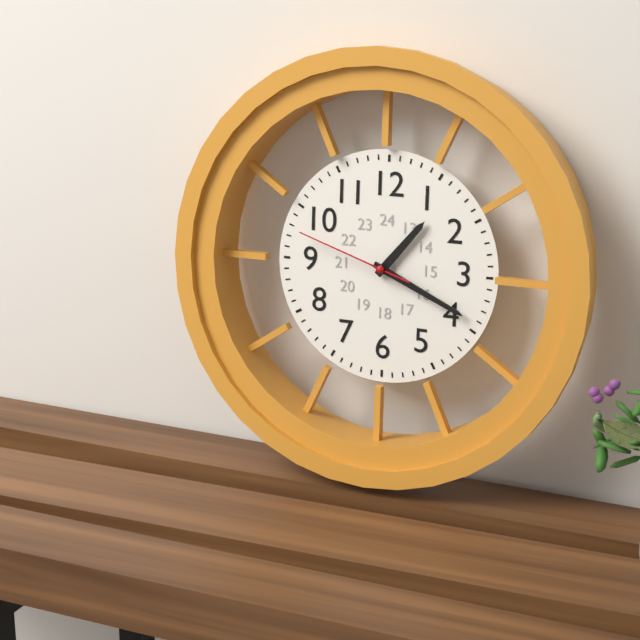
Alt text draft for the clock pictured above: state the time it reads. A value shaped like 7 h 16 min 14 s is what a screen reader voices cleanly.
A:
1 h 19 min 48 s
